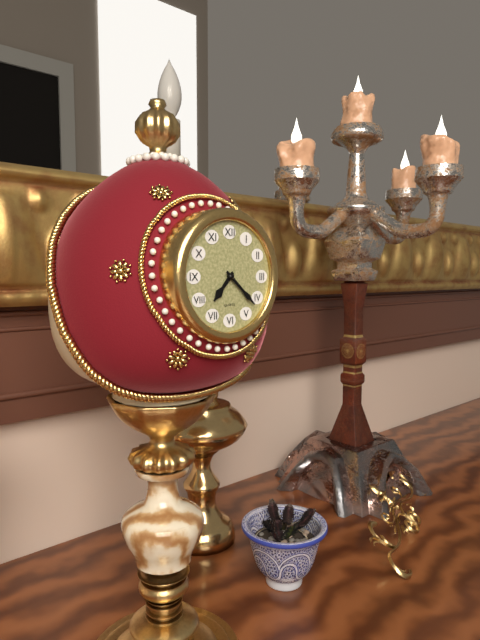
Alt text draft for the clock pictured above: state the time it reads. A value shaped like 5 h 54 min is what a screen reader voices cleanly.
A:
7 h 22 min
